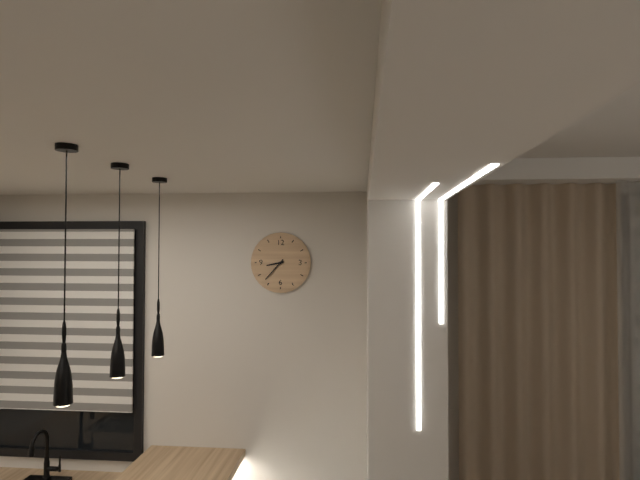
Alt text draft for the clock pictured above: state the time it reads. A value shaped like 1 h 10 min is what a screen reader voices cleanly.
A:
8 h 37 min
